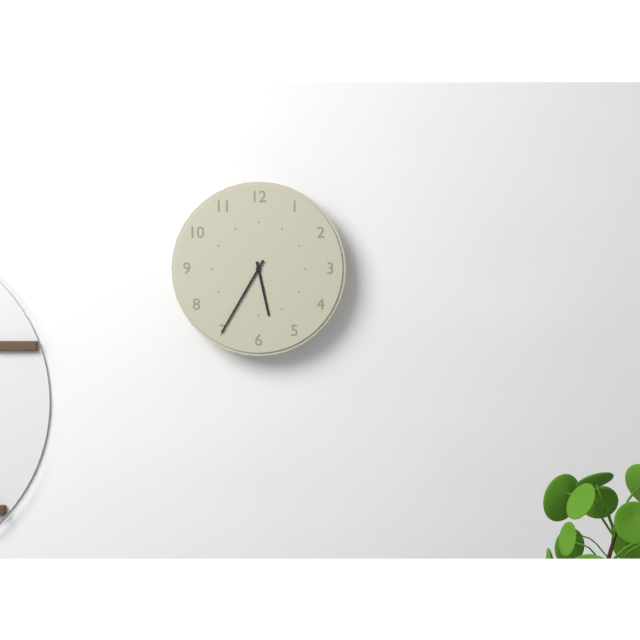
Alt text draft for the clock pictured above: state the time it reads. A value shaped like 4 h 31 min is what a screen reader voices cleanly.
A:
5 h 35 min
